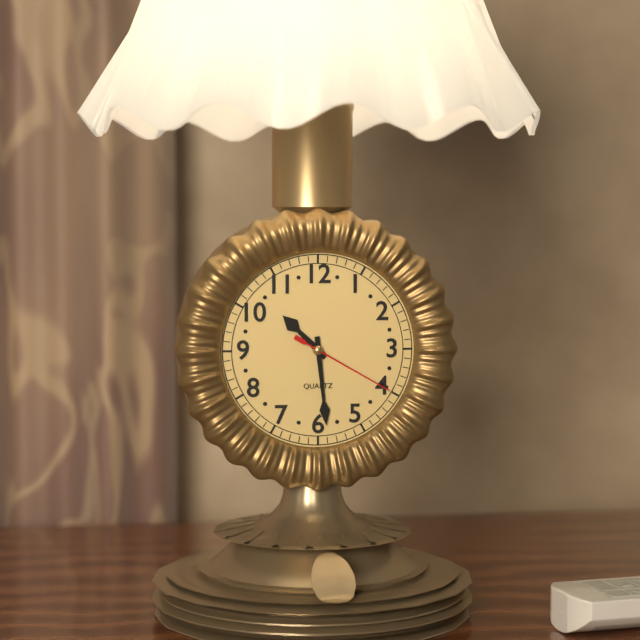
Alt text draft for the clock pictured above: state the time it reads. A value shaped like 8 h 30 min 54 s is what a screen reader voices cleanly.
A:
10 h 29 min 20 s
